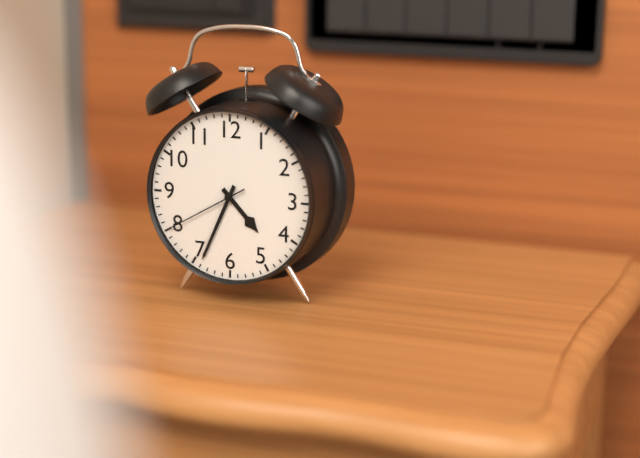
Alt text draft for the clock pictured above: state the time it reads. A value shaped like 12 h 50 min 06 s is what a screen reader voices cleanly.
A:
4 h 34 min 40 s
